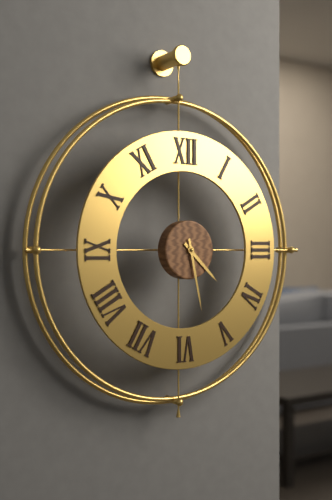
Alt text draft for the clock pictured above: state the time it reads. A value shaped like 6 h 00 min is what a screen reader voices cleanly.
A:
4 h 28 min
